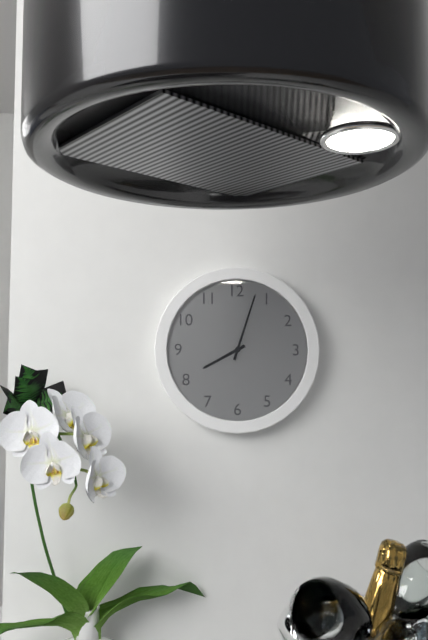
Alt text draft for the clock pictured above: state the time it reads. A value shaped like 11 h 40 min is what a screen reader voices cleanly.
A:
8 h 03 min
